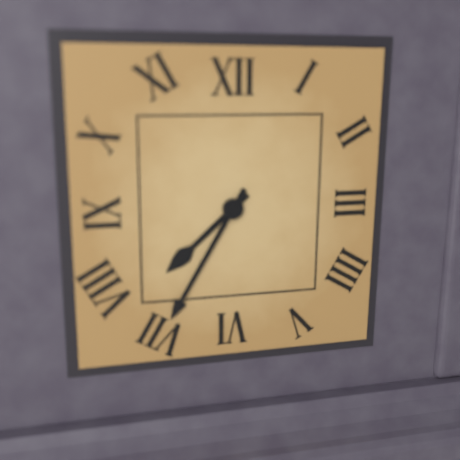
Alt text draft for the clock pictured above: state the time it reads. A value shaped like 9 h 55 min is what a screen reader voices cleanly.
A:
7 h 35 min
